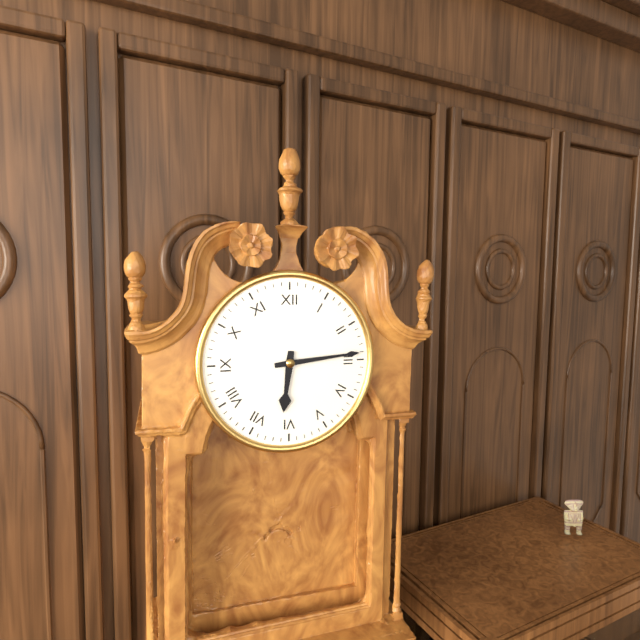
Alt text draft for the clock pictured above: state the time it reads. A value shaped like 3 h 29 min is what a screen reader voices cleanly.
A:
6 h 14 min
